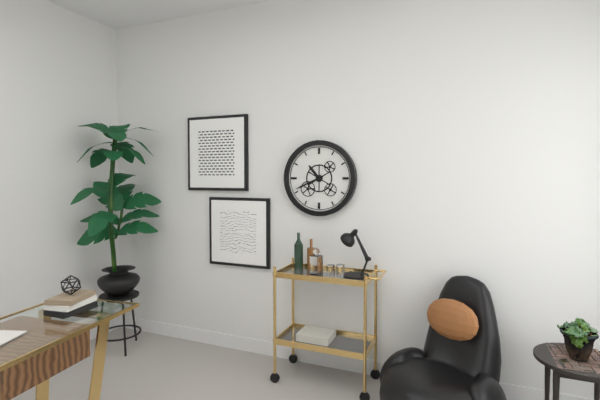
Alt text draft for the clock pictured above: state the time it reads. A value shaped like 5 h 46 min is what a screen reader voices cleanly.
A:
10 h 41 min
